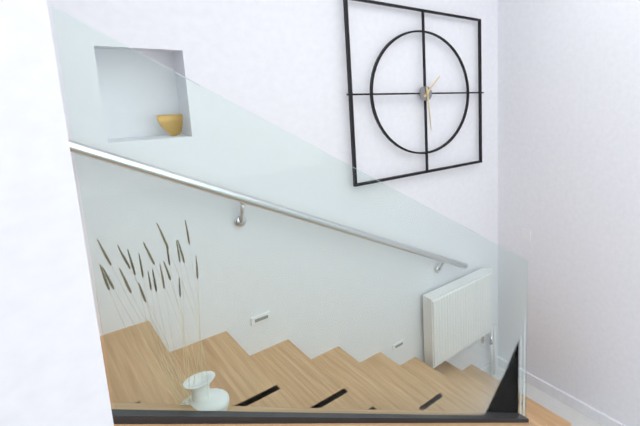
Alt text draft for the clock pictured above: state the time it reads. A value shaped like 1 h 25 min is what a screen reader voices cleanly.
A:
1 h 29 min
